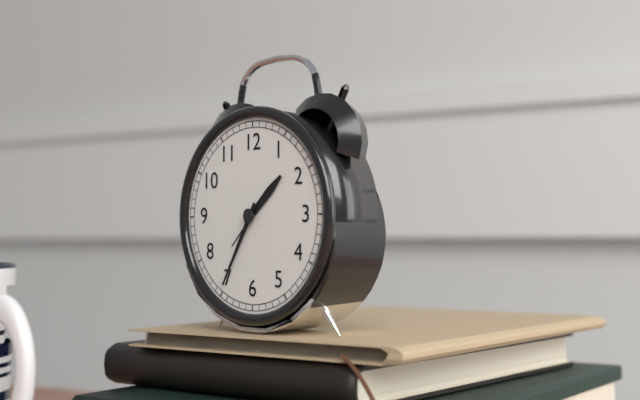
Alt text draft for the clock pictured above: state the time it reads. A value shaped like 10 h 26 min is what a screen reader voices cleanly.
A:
1 h 35 min
